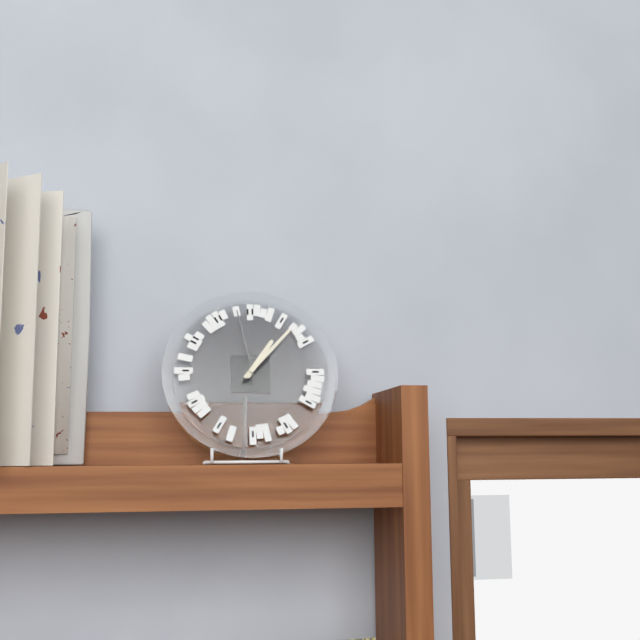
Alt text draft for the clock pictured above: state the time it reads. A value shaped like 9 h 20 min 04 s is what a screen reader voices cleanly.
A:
1 h 07 min 58 s
